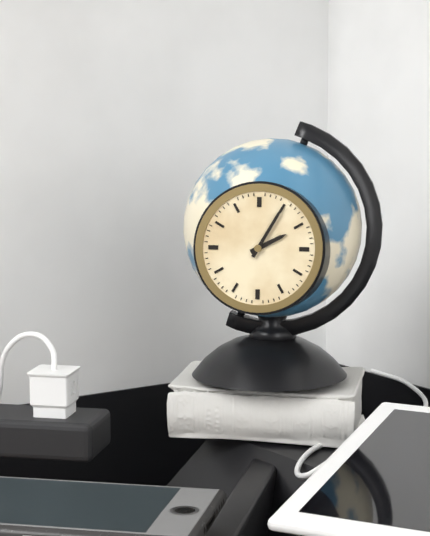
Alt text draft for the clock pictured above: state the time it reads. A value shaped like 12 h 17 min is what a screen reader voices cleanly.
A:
2 h 05 min
